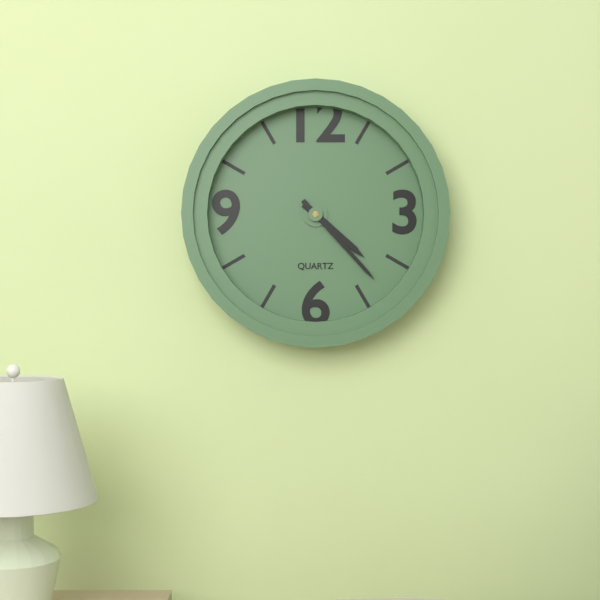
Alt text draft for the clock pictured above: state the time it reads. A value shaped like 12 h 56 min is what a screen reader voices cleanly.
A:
4 h 23 min
